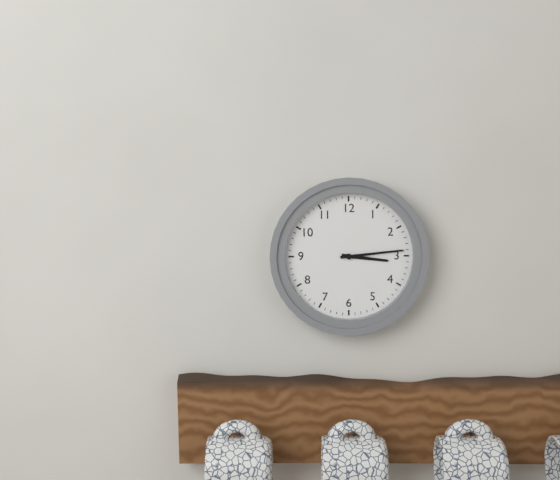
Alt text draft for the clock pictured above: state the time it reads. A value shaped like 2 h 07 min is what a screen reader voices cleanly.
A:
3 h 14 min
